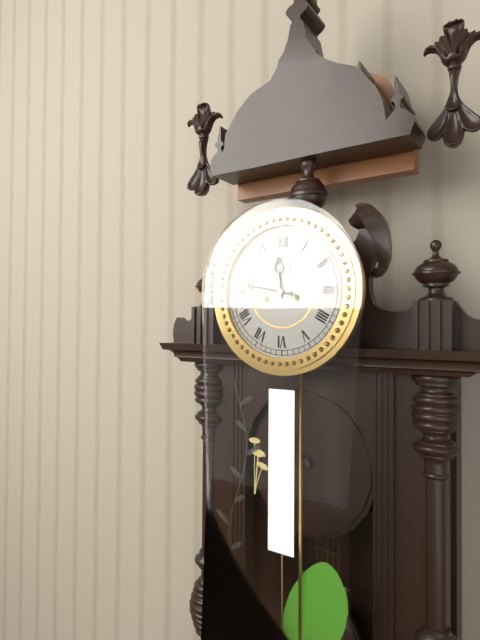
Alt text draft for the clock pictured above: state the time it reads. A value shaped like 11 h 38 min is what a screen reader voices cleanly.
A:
11 h 47 min
